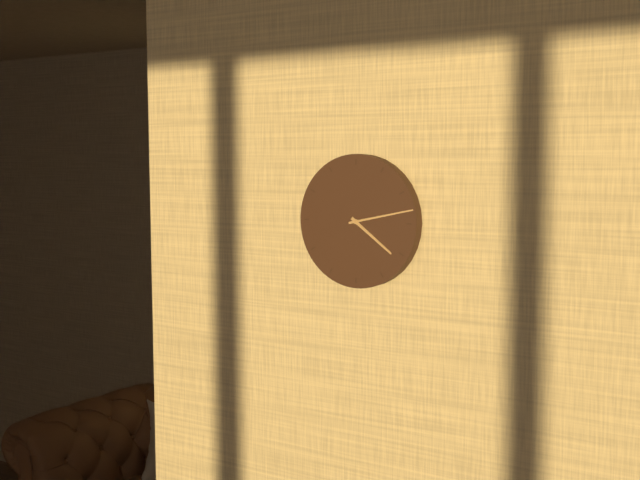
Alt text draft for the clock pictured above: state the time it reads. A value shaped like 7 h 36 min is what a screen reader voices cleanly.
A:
4 h 13 min
